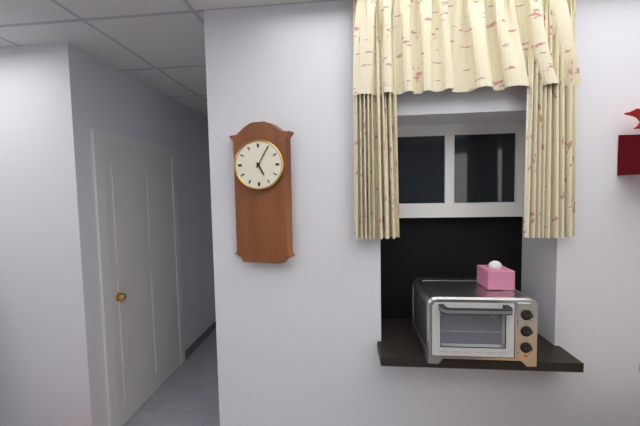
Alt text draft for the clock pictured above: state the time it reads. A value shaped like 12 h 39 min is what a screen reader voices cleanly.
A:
5 h 05 min
